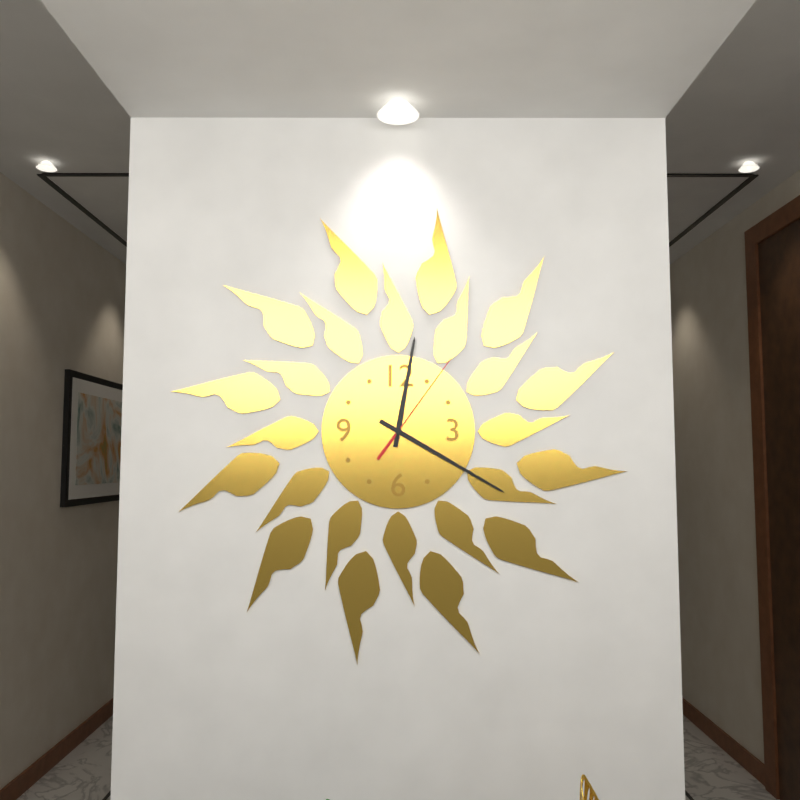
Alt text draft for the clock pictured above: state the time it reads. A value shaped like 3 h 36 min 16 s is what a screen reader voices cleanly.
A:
12 h 20 min 06 s
